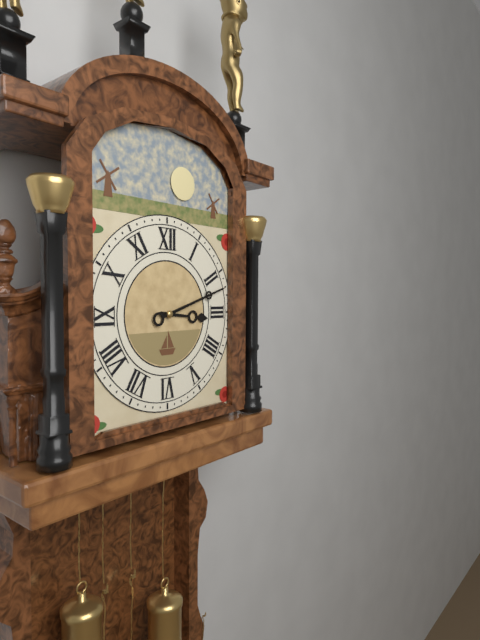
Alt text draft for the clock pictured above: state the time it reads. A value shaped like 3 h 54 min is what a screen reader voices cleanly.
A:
3 h 12 min
